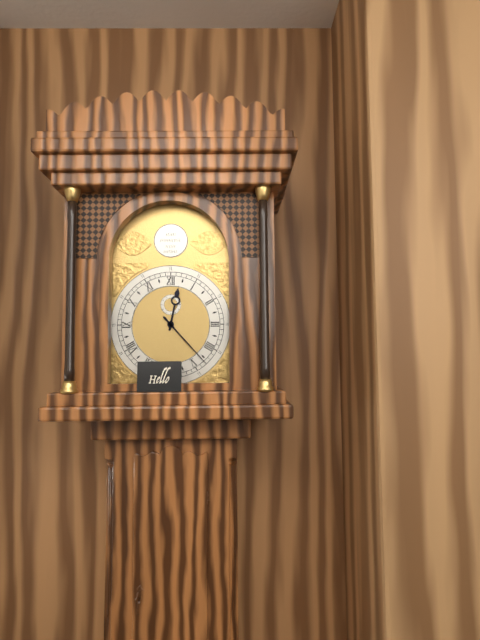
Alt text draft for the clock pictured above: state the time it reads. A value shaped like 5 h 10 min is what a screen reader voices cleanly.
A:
12 h 23 min
